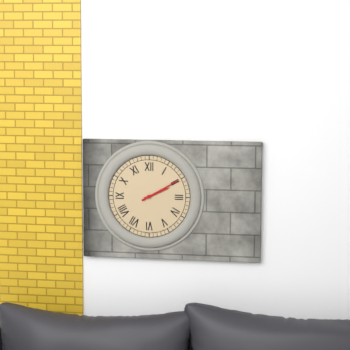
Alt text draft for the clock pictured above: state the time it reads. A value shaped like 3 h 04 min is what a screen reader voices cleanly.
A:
2 h 10 min
